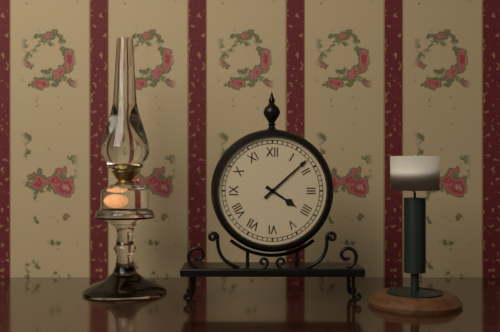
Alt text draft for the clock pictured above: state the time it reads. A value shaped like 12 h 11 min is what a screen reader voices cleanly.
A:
4 h 08 min
